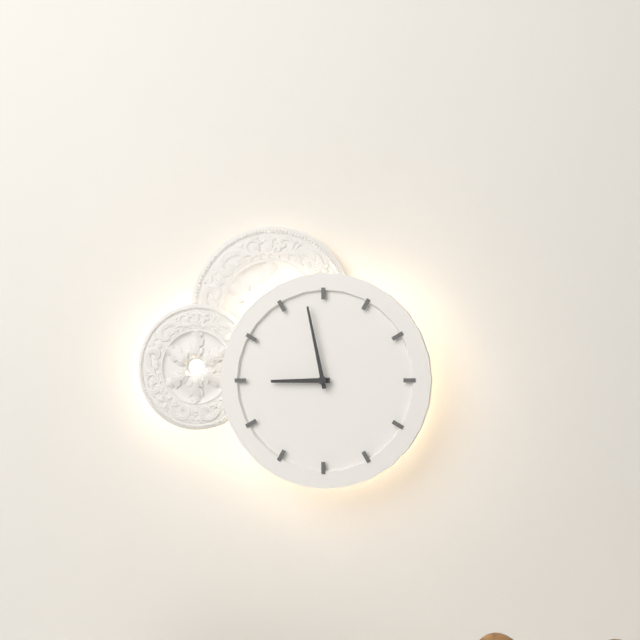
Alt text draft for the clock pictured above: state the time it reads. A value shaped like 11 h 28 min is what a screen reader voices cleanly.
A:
8 h 58 min
